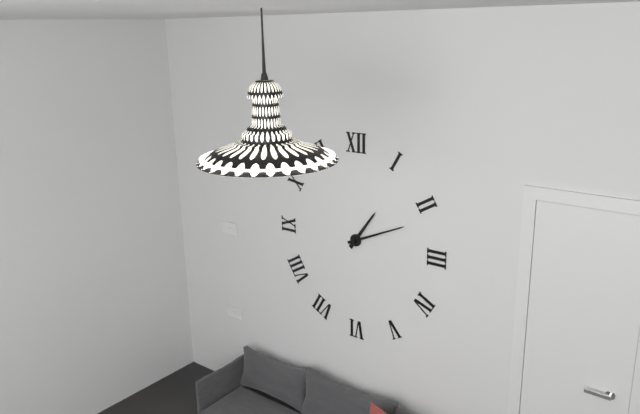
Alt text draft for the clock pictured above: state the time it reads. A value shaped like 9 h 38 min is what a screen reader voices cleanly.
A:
1 h 11 min
